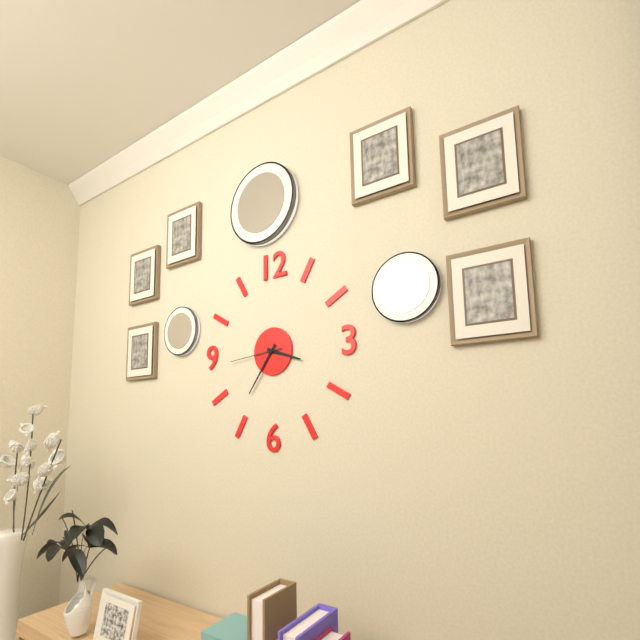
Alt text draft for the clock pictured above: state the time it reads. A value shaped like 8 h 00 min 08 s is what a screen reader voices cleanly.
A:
3 h 36 min 44 s
